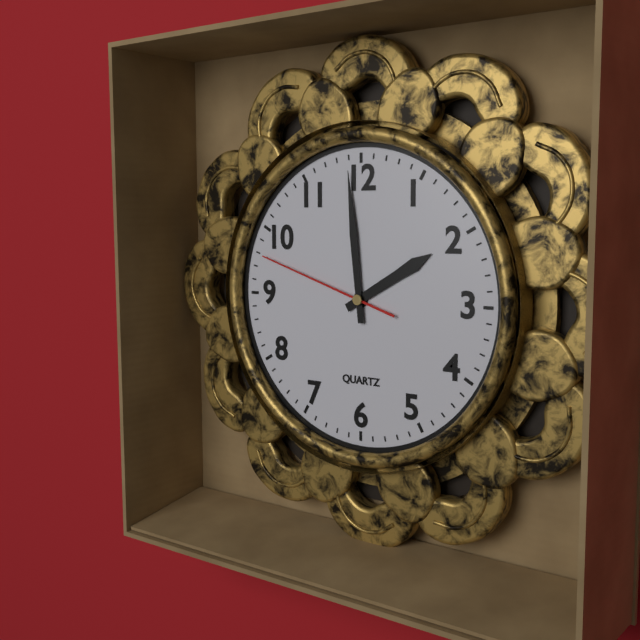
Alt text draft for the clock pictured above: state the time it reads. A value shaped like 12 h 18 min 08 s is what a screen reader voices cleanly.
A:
1 h 59 min 48 s
